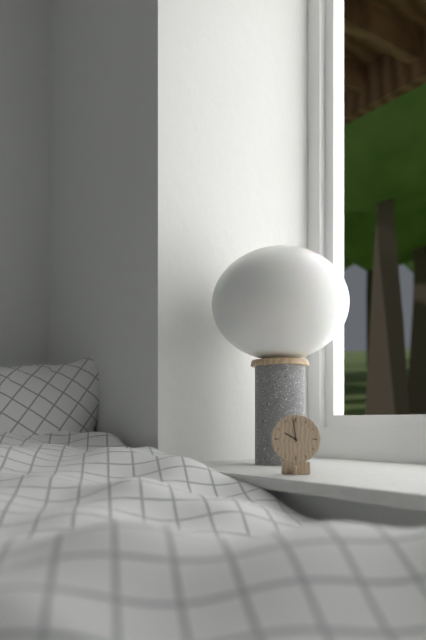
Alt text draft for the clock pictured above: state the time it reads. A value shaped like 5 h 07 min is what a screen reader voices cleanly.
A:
9 h 59 min
